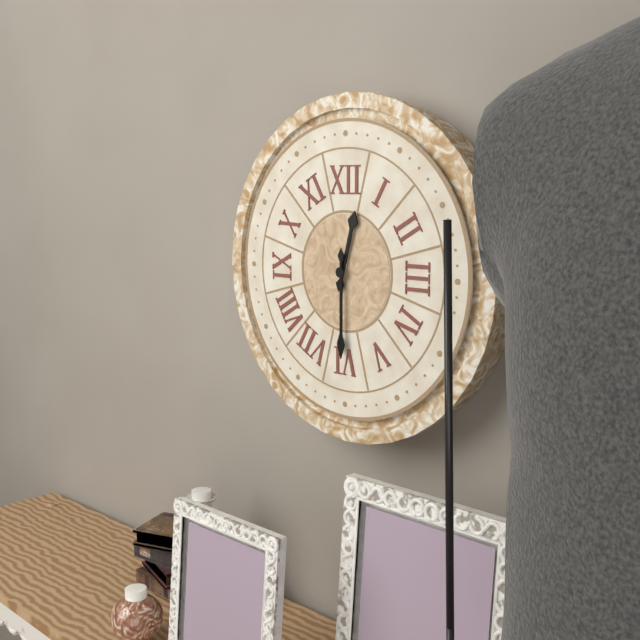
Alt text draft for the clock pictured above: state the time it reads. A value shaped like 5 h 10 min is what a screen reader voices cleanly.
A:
12 h 30 min
